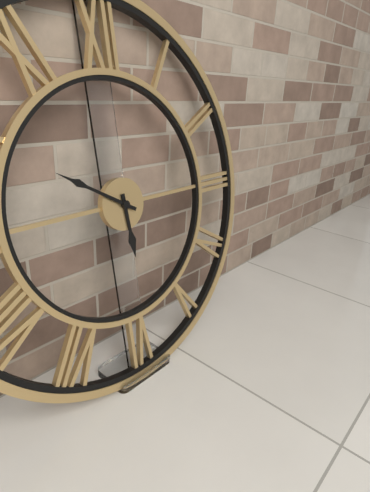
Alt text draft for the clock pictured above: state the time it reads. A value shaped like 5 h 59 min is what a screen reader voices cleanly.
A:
5 h 50 min
